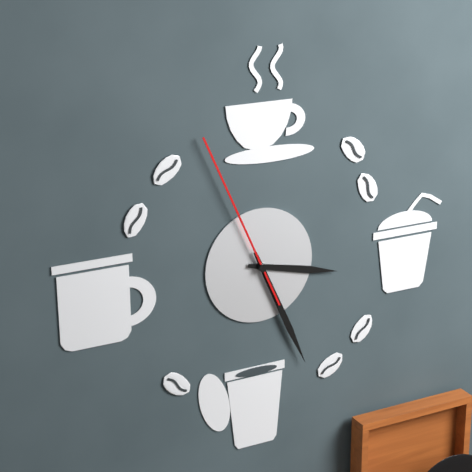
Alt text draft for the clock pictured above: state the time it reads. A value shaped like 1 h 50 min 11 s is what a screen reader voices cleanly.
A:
3 h 26 min 56 s
